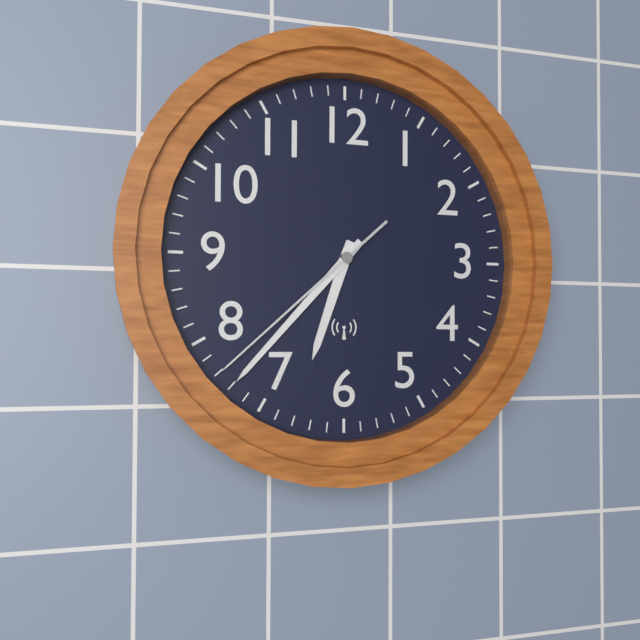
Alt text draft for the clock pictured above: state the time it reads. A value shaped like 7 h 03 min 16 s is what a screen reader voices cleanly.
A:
6 h 37 min 38 s
